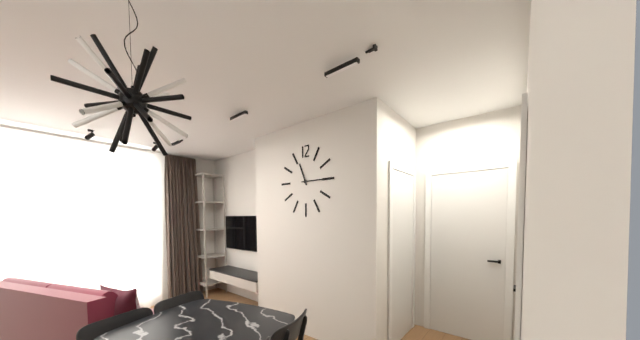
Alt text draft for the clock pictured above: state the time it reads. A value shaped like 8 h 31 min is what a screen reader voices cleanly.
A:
11 h 15 min
